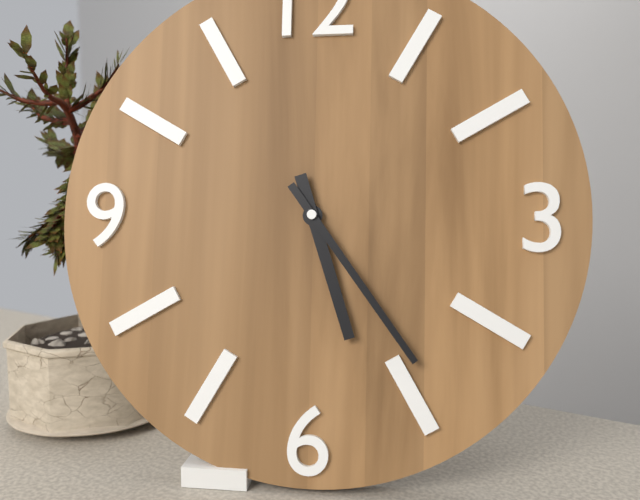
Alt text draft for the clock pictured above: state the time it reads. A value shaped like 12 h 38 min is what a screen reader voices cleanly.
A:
5 h 24 min
